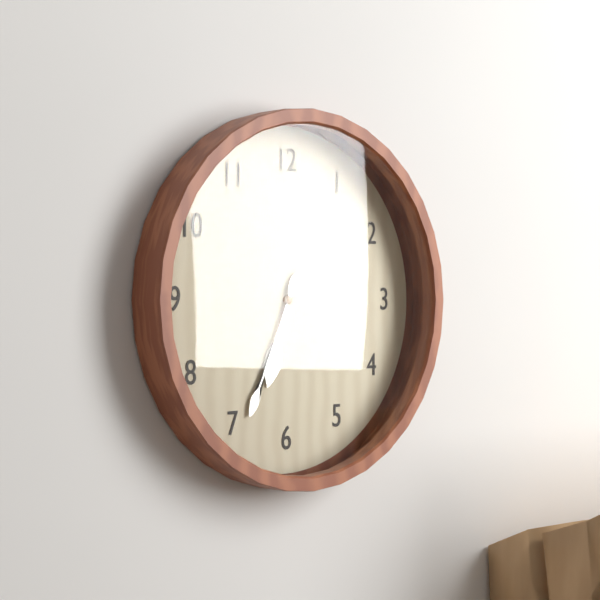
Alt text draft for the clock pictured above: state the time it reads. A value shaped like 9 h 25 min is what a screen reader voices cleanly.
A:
6 h 34 min
